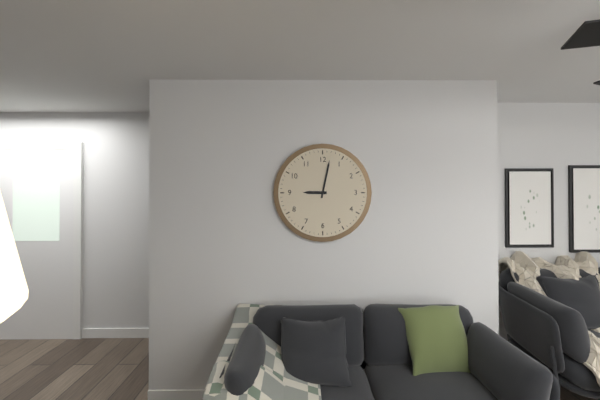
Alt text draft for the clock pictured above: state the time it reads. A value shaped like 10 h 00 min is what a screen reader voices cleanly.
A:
9 h 02 min
